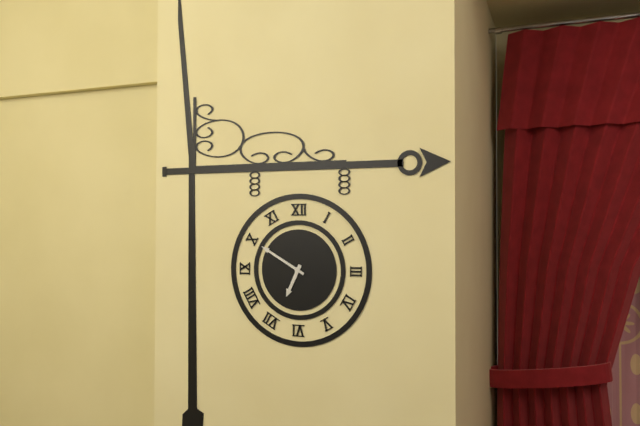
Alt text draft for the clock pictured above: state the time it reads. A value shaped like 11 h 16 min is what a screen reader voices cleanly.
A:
6 h 50 min
